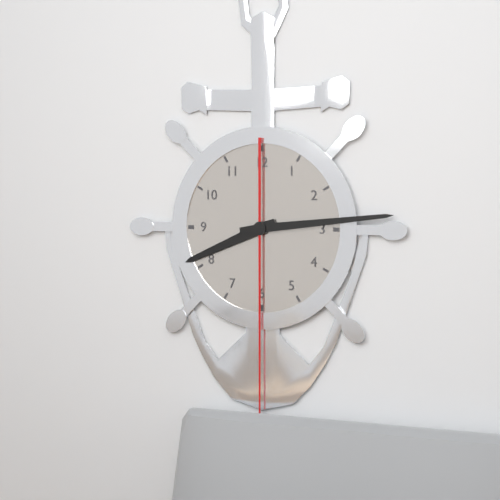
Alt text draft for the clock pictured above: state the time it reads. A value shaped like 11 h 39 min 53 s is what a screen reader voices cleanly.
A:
8 h 14 min 30 s
